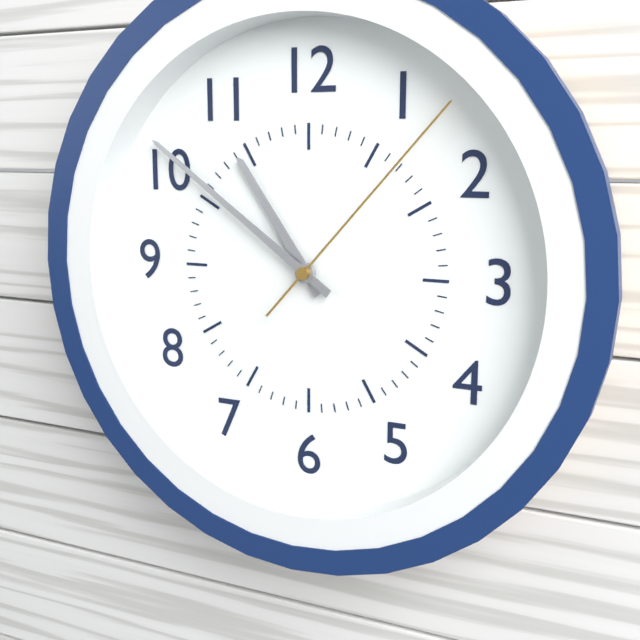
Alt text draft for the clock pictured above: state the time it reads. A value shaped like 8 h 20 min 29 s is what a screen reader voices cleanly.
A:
10 h 51 min 07 s
